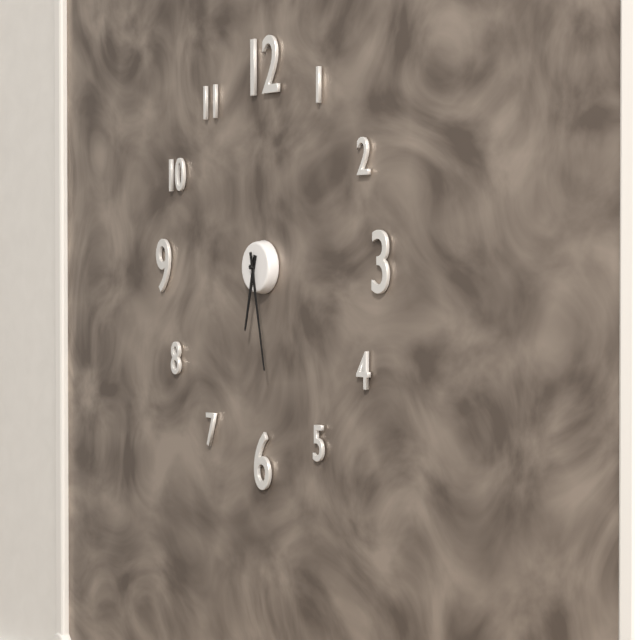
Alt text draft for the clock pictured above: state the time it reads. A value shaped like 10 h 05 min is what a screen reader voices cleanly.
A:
6 h 28 min
